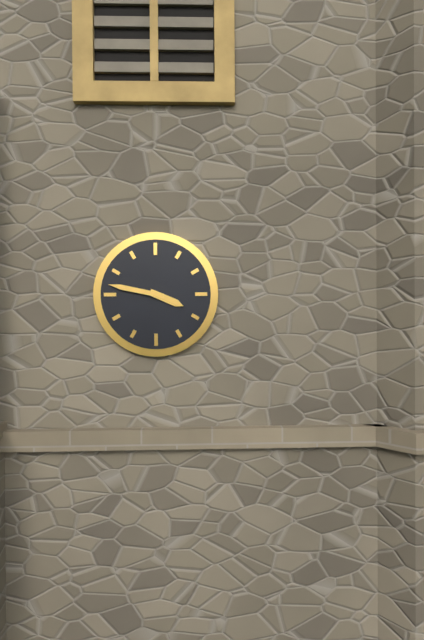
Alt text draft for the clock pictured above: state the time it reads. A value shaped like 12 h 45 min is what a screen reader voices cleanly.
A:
3 h 47 min
